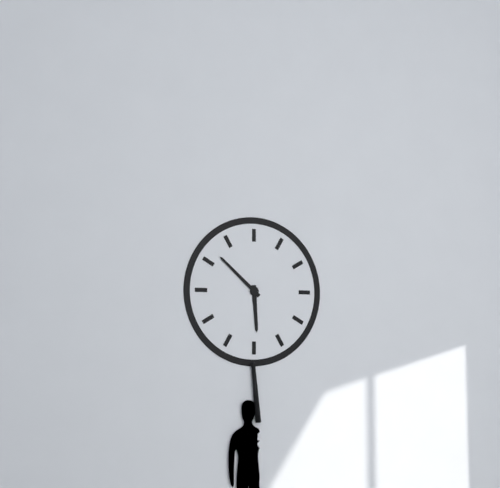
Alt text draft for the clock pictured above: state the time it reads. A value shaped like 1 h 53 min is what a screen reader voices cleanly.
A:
5 h 52 min
